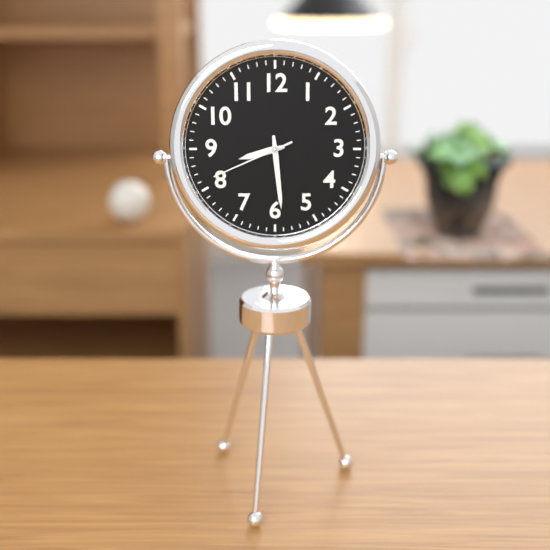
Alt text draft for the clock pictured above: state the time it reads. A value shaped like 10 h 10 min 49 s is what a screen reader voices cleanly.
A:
8 h 29 min 41 s
